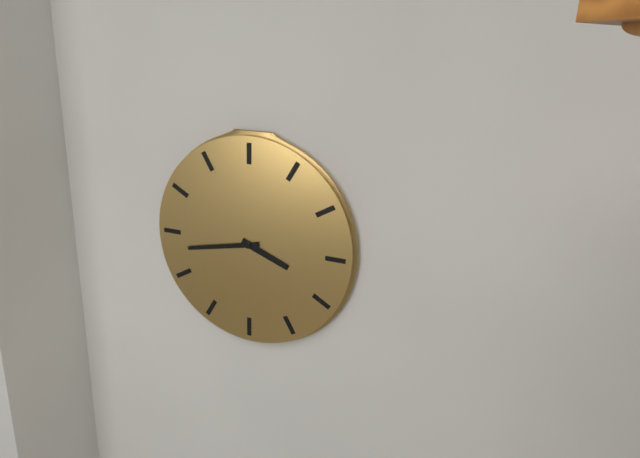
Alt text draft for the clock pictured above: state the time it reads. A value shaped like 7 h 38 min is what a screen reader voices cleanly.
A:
3 h 43 min
